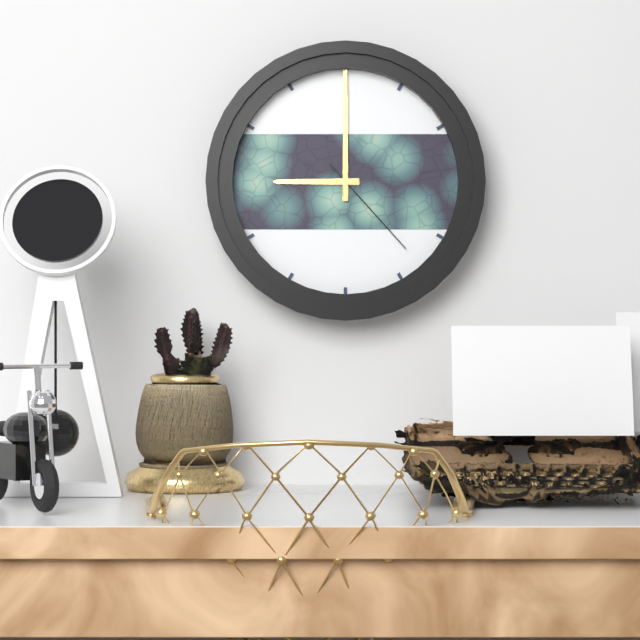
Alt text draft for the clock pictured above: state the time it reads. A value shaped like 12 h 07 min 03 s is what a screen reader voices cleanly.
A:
9 h 00 min 23 s
